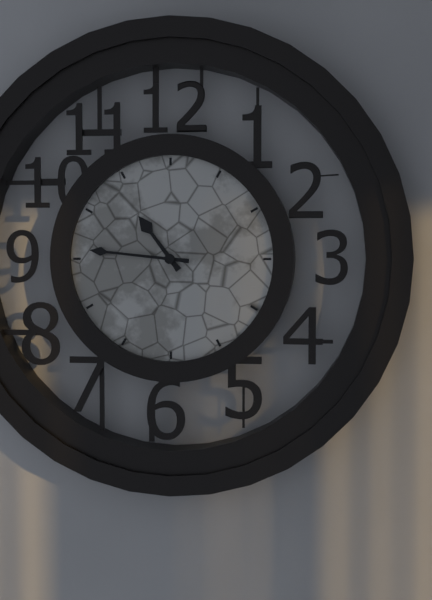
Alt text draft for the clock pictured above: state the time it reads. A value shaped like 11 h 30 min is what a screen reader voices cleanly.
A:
10 h 46 min
